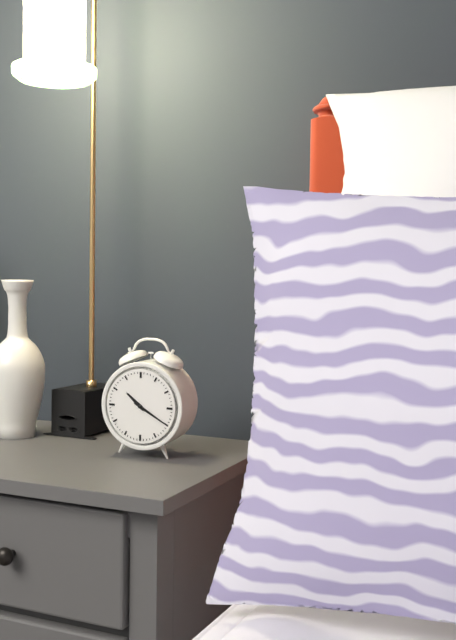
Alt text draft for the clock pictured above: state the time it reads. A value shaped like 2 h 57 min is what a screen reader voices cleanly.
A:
10 h 20 min
